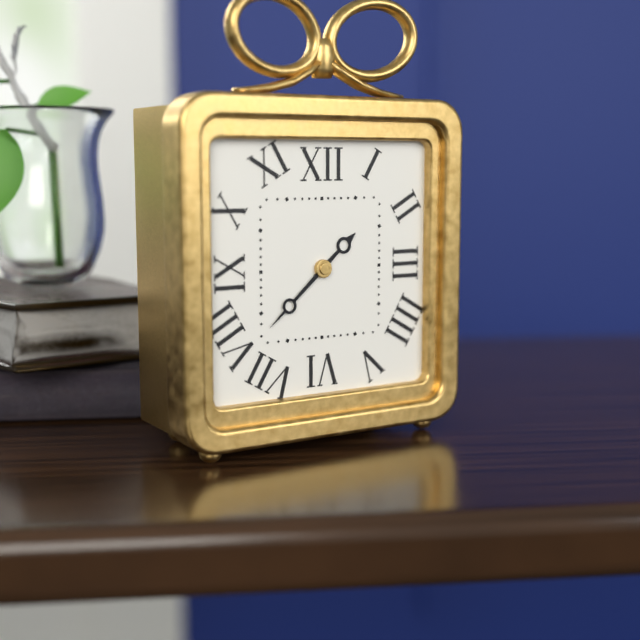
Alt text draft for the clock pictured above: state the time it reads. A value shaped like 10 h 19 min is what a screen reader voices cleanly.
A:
1 h 38 min
